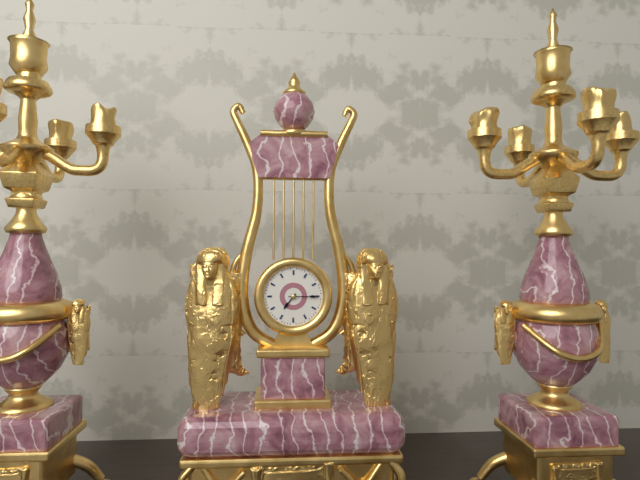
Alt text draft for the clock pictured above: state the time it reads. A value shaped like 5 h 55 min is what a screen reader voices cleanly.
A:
7 h 15 min
